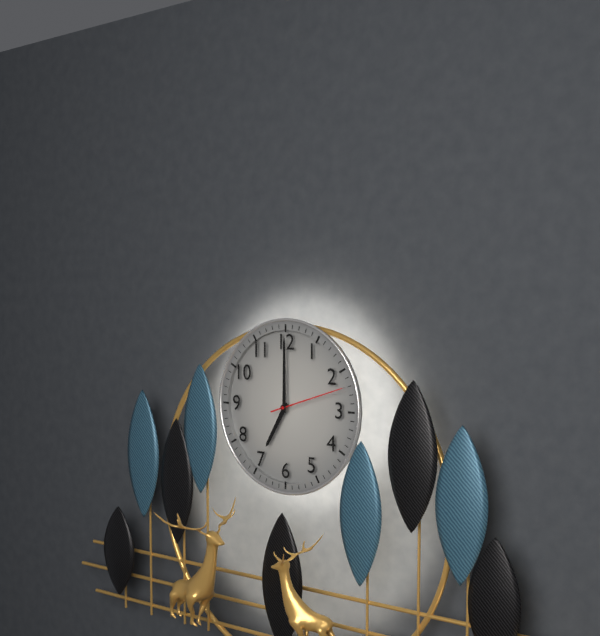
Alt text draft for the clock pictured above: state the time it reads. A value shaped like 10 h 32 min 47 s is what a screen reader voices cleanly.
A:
7 h 00 min 12 s
